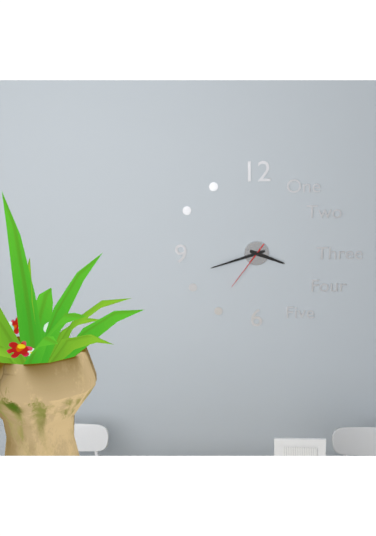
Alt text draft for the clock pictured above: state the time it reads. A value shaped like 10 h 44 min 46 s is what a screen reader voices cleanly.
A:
3 h 42 min 36 s
